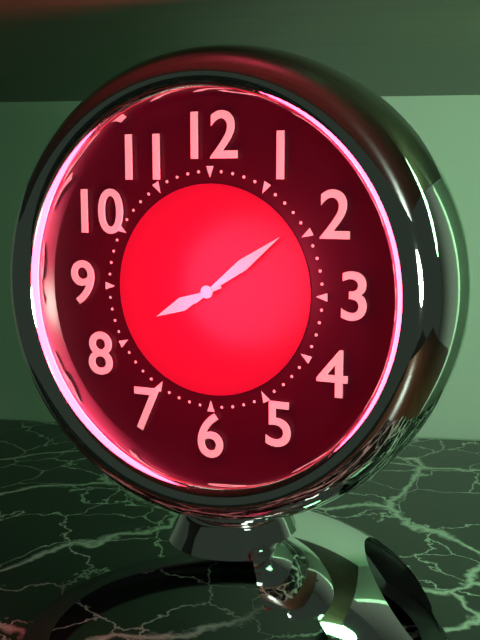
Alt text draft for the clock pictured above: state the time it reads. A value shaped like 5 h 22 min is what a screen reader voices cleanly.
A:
8 h 09 min
